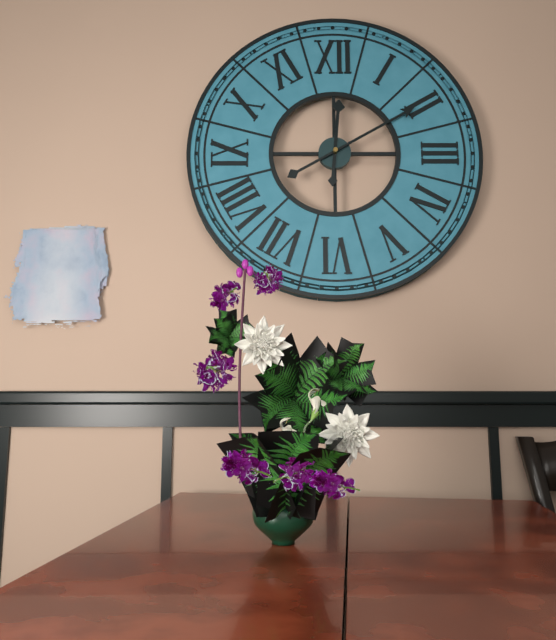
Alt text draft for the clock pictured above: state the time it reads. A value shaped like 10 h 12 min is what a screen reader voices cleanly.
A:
12 h 10 min
